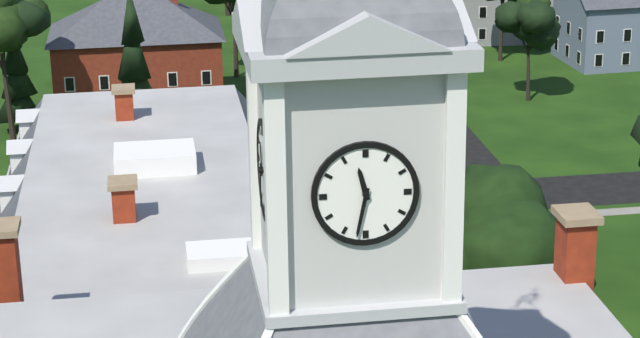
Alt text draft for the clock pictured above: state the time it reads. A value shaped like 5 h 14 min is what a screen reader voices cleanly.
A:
11 h 32 min
